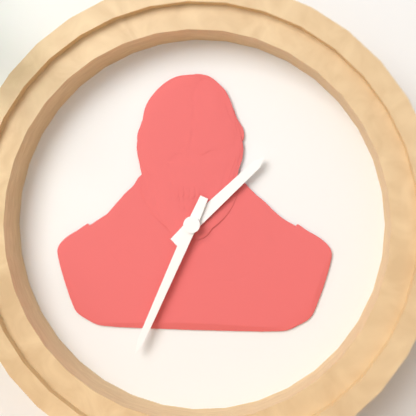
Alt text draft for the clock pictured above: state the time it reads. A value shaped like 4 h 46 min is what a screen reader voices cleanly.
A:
1 h 34 min
